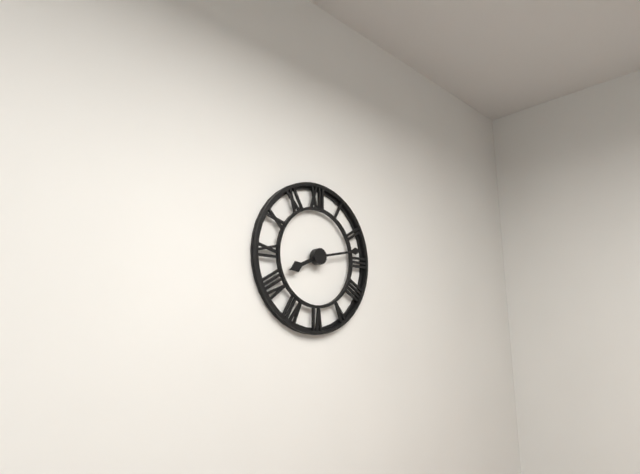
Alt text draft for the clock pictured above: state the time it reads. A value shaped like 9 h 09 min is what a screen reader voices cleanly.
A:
8 h 13 min
